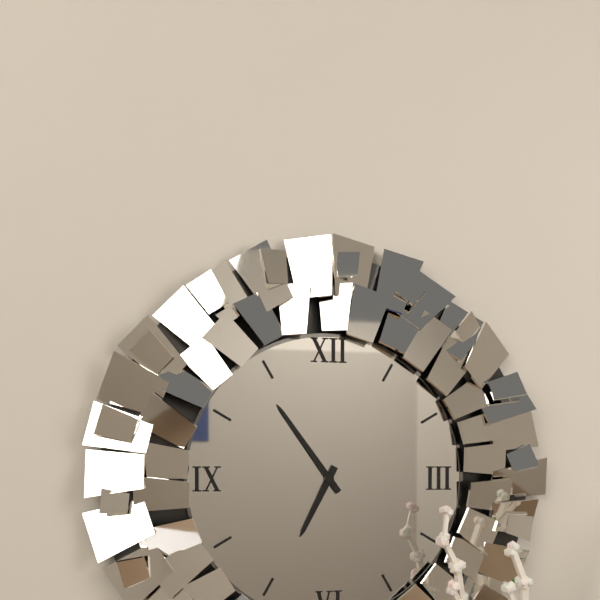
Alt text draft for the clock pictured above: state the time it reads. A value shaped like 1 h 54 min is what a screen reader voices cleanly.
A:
6 h 54 min
